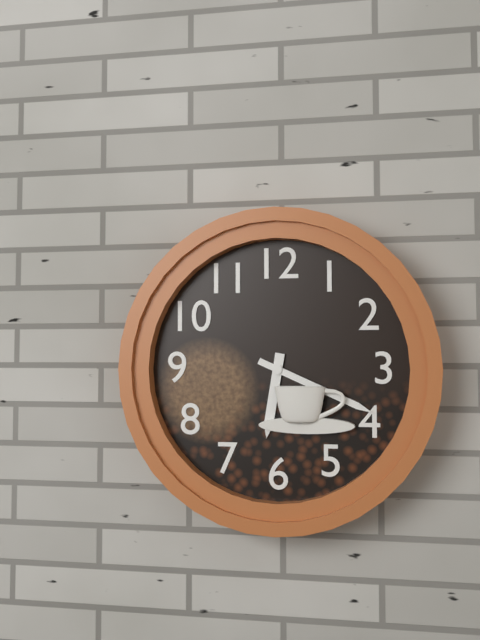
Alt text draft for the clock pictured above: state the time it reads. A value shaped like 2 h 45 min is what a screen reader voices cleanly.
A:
6 h 19 min
